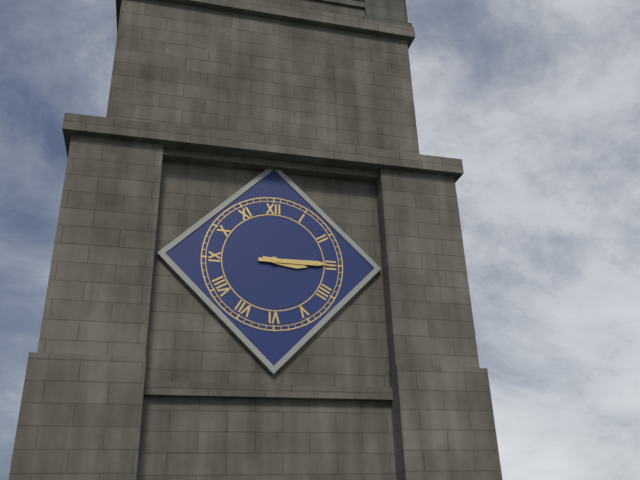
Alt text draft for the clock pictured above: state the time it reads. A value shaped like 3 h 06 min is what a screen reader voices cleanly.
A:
3 h 15 min
